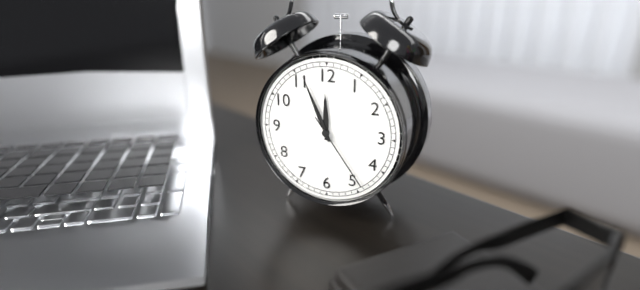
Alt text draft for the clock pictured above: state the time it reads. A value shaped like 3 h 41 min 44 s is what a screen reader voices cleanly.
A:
11 h 56 min 24 s
